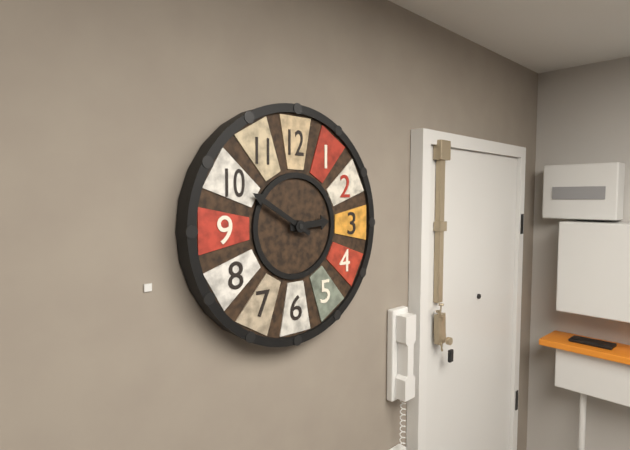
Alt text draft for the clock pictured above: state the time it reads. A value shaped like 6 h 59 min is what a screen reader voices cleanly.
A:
2 h 50 min
